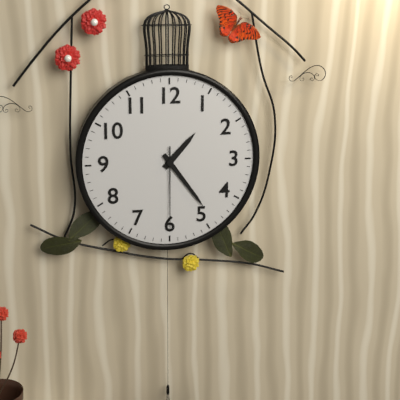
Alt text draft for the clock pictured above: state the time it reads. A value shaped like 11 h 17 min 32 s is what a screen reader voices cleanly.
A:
1 h 24 min 30 s
